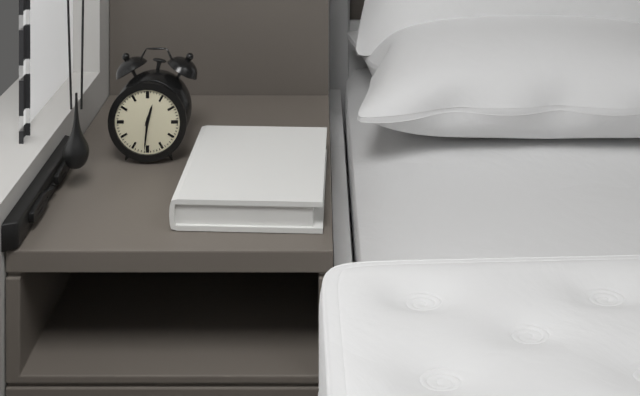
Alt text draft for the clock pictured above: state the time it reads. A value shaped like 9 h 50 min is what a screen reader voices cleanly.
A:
12 h 31 min
